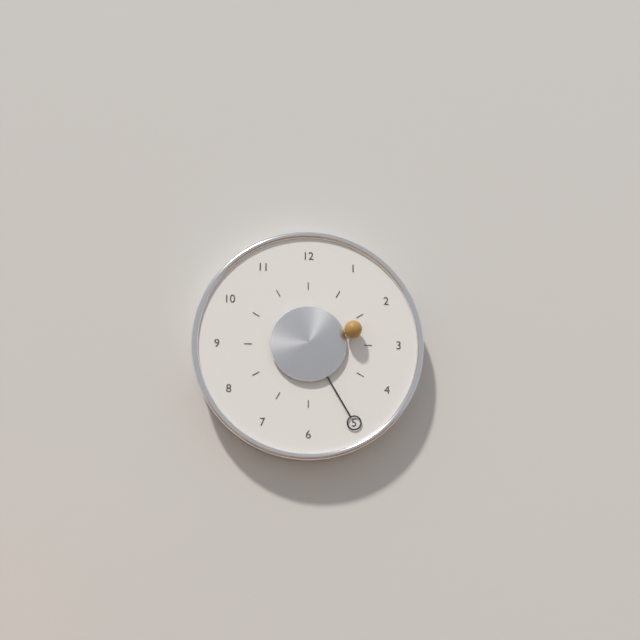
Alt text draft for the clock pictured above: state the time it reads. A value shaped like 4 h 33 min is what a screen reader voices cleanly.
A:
2 h 25 min
